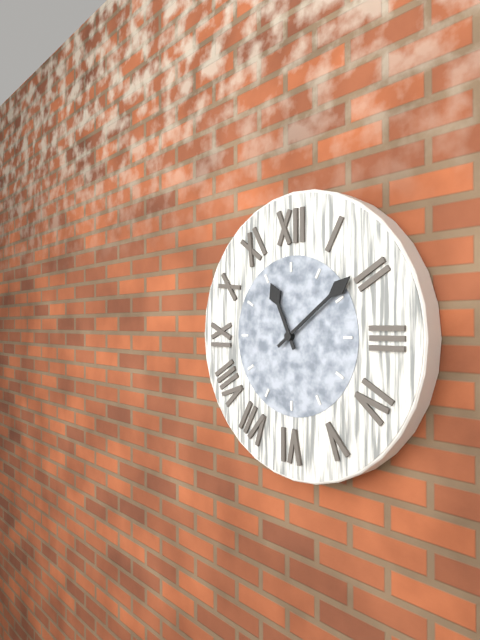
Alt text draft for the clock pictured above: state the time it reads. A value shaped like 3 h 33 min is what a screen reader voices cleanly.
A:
11 h 09 min
